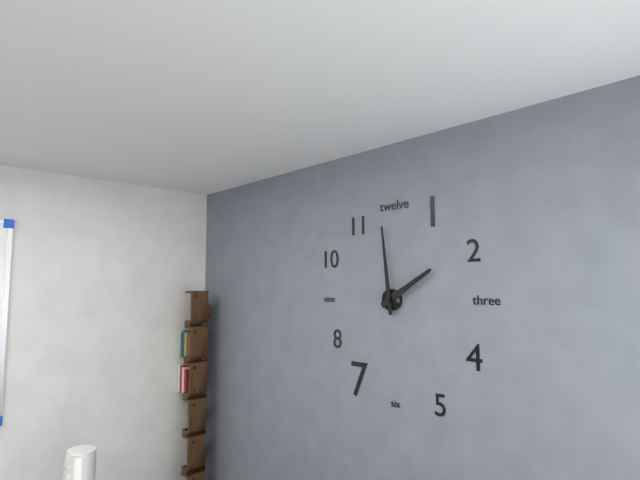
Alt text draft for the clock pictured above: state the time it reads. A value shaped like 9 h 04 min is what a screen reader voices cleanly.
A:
1 h 59 min
